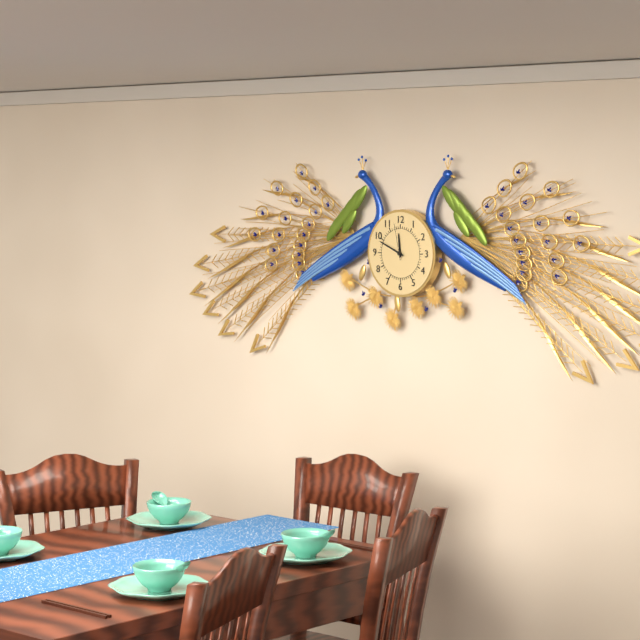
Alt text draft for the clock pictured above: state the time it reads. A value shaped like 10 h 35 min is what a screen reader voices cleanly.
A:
11 h 49 min
